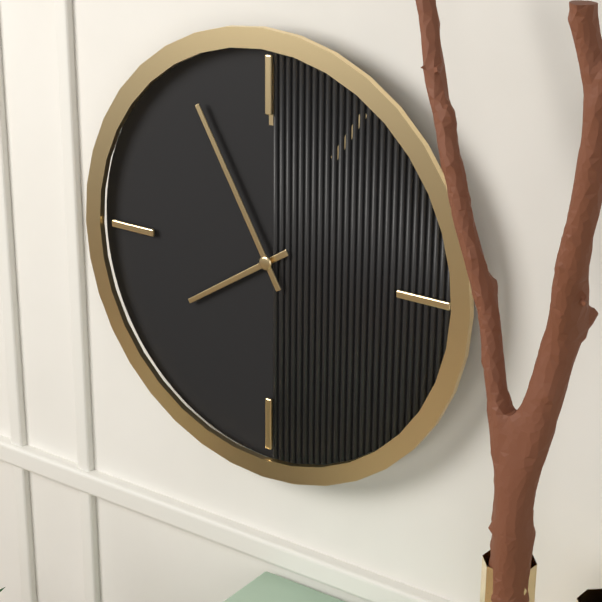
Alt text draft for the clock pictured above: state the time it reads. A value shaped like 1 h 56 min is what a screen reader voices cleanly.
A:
7 h 55 min
